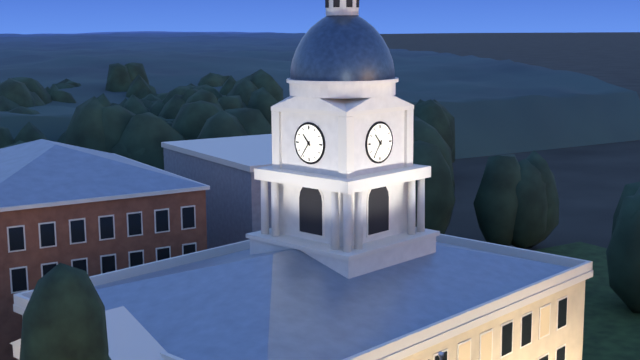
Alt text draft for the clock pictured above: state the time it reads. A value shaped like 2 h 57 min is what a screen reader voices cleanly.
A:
10 h 36 min
